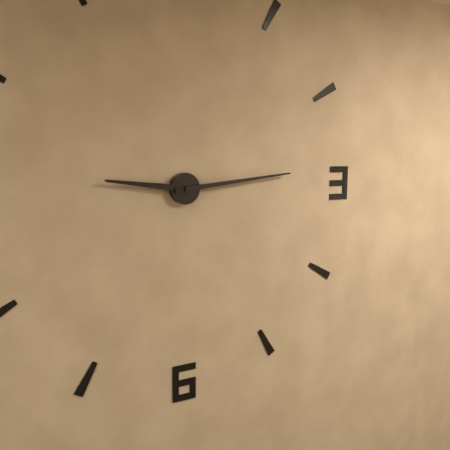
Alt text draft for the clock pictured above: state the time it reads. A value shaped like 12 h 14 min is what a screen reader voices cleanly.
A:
9 h 14 min
